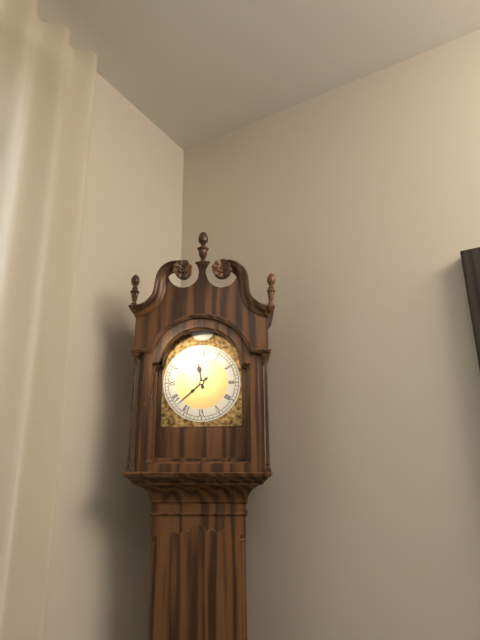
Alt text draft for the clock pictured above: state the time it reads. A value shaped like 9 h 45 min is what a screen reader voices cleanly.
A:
11 h 38 min
